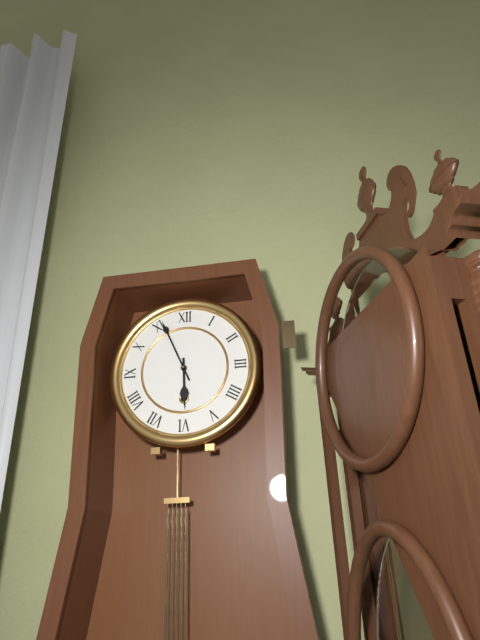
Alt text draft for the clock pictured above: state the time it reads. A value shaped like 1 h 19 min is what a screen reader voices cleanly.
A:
5 h 56 min
